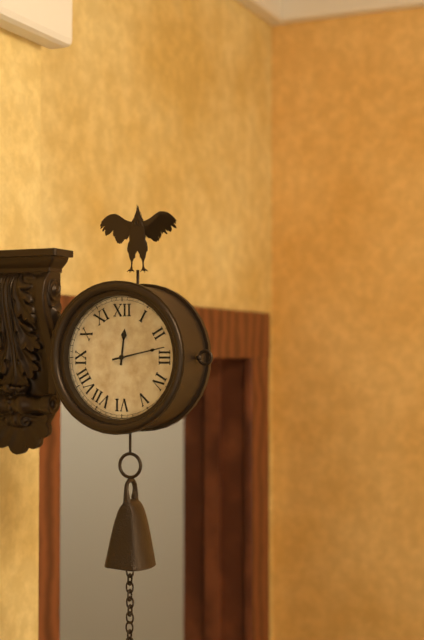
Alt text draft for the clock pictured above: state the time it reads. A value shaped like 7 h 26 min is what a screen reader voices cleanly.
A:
12 h 13 min
